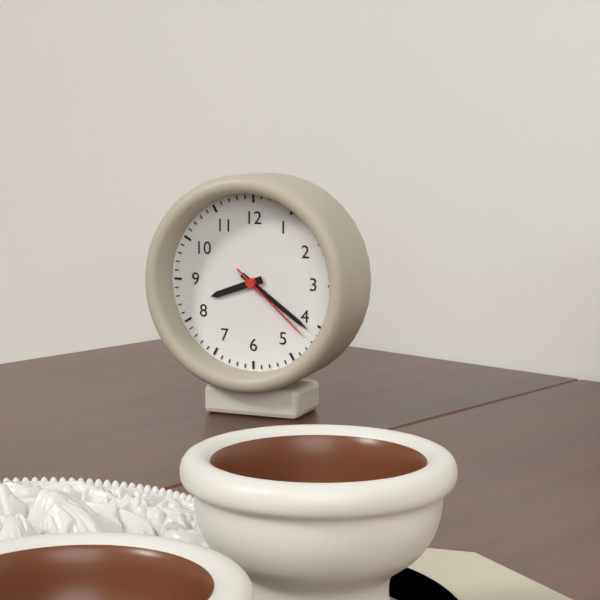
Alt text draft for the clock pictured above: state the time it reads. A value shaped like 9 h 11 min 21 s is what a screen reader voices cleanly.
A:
8 h 21 min 22 s
